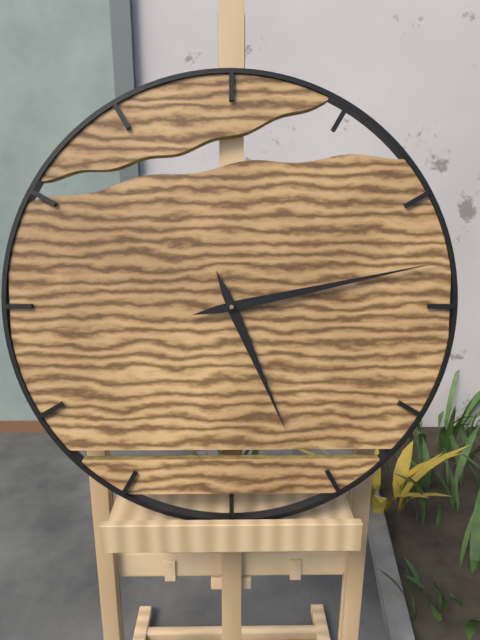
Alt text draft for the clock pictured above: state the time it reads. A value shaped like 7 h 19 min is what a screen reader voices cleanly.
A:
5 h 13 min
